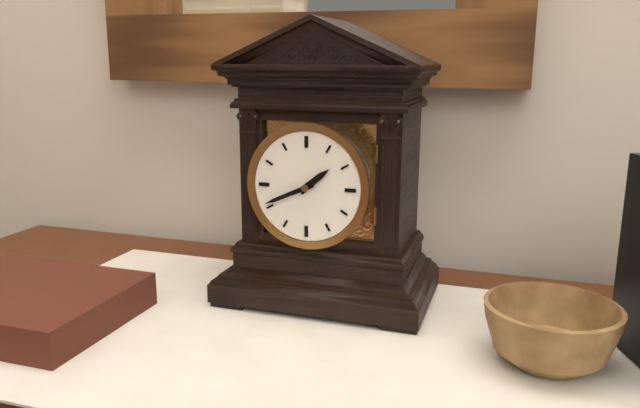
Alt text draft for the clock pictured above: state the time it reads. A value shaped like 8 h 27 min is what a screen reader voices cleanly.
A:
1 h 41 min
